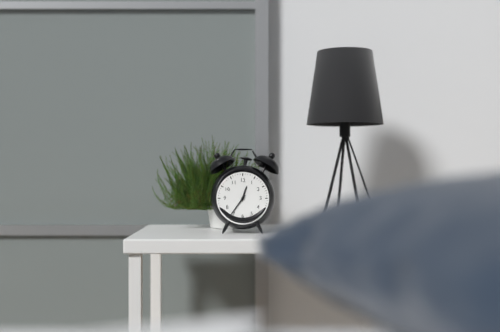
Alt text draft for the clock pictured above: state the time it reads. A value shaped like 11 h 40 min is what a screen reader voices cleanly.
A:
12 h 36 min
